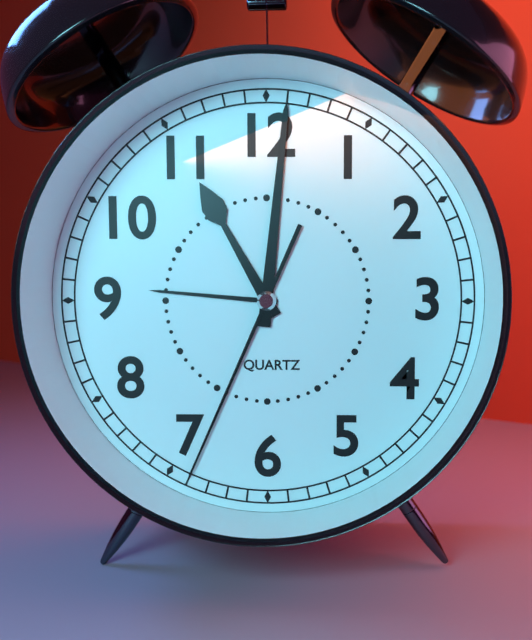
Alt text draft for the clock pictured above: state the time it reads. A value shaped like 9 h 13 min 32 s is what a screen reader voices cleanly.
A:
11 h 01 min 34 s
